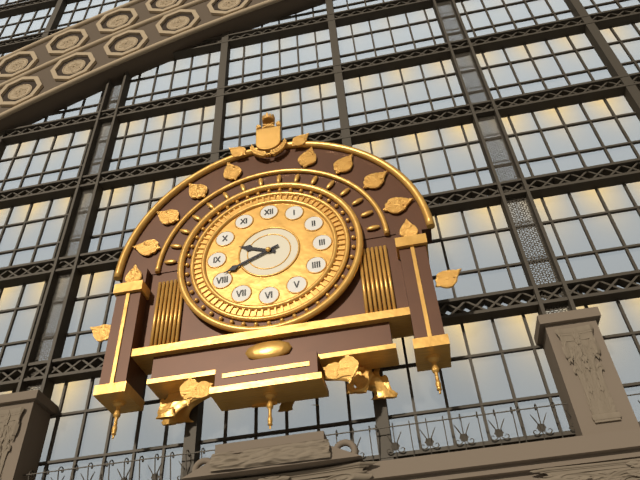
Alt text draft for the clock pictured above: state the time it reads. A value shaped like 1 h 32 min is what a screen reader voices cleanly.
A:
9 h 41 min
